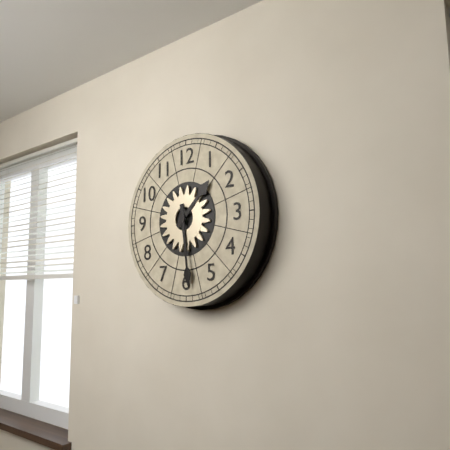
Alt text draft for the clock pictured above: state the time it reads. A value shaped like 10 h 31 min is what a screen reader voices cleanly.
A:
1 h 29 min
